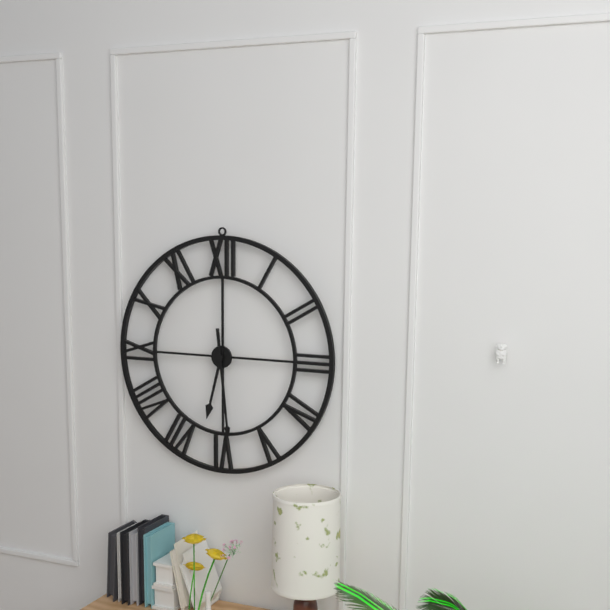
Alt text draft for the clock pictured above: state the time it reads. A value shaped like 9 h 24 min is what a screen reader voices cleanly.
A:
6 h 29 min
